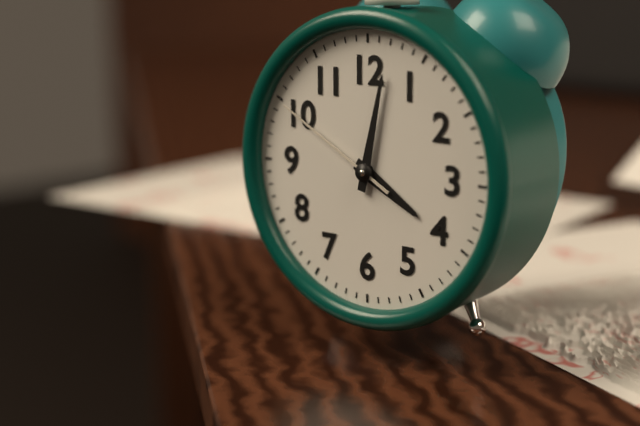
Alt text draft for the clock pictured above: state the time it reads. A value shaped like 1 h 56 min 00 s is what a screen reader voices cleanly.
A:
4 h 02 min 50 s
